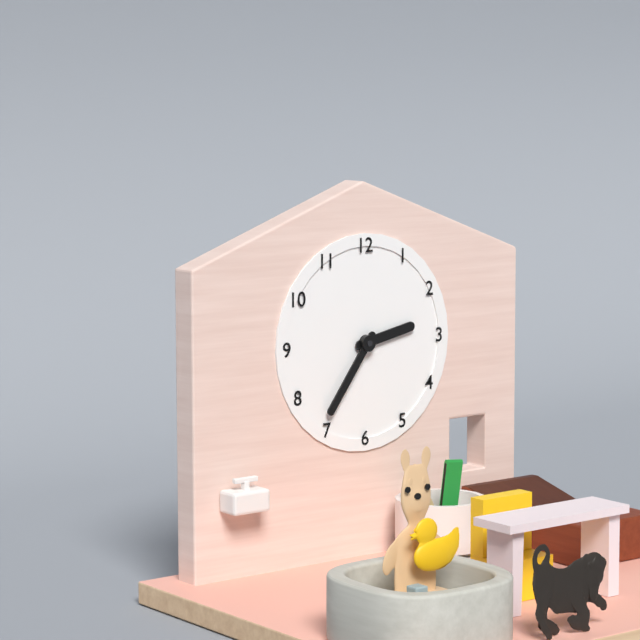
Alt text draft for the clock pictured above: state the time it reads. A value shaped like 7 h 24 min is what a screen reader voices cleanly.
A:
2 h 36 min
